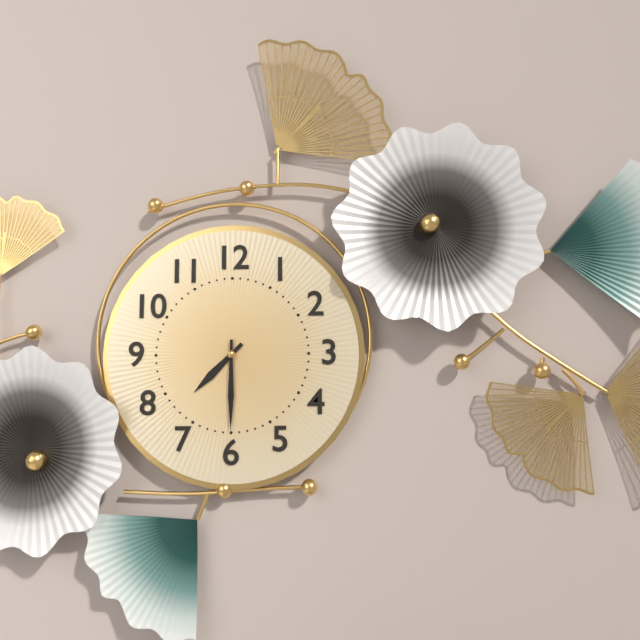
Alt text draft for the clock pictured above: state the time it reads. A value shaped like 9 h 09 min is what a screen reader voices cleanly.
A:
7 h 30 min
